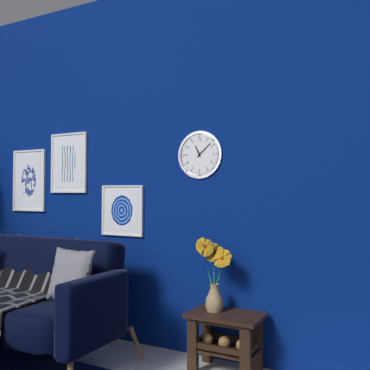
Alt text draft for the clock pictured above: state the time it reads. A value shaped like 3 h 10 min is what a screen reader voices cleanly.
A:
11 h 08 min
